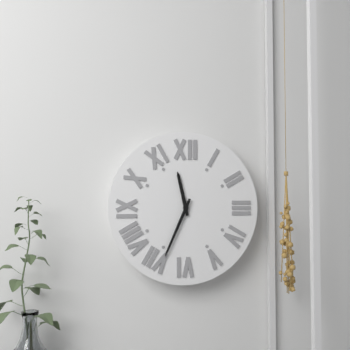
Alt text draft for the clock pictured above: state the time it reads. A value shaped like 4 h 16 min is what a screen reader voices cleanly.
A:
11 h 34 min
